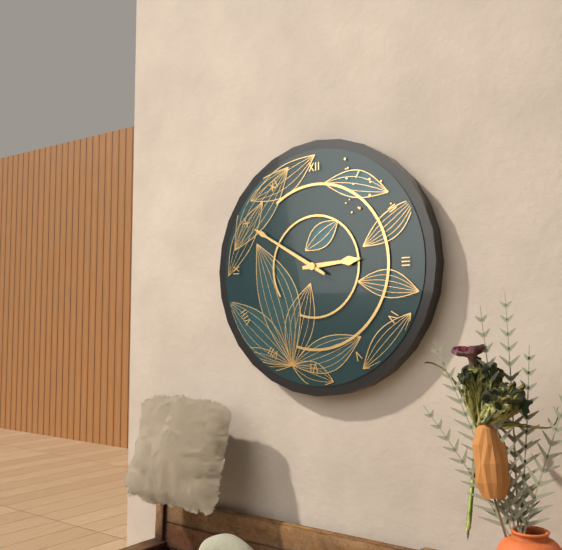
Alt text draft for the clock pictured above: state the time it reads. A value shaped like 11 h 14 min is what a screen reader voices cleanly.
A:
2 h 50 min
